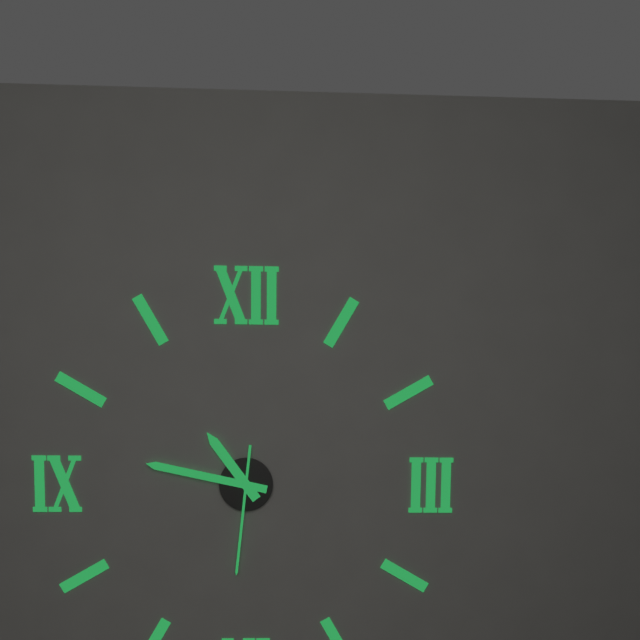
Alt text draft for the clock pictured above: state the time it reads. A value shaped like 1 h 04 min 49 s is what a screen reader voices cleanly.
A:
10 h 47 min 31 s
